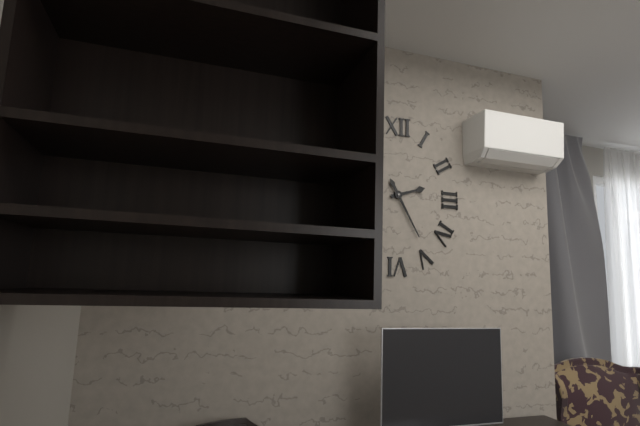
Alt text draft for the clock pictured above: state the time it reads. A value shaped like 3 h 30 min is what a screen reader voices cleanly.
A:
2 h 25 min
